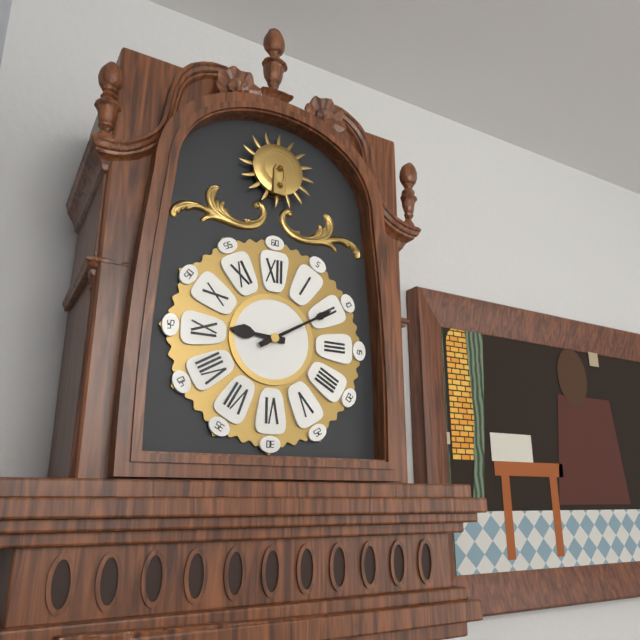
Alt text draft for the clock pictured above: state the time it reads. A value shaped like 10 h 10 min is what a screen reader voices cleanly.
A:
9 h 10 min
